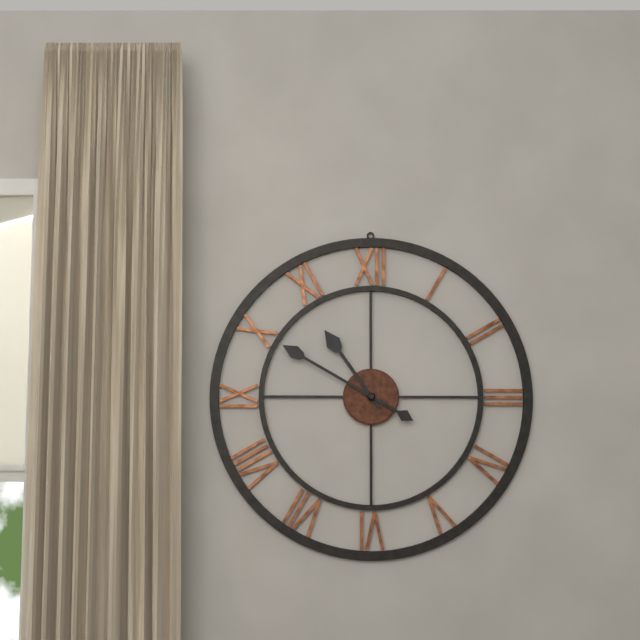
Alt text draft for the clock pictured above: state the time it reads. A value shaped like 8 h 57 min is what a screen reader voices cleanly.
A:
10 h 50 min
